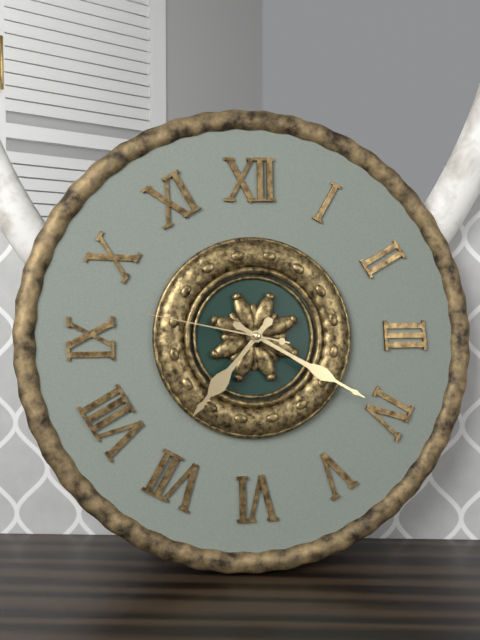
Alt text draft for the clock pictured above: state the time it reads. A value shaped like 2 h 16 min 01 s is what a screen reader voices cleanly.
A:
7 h 20 min 47 s
